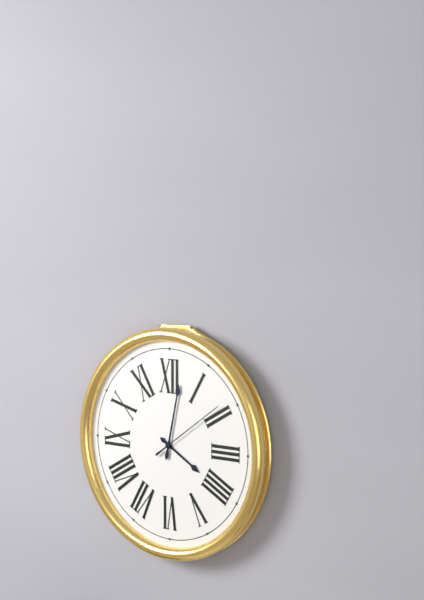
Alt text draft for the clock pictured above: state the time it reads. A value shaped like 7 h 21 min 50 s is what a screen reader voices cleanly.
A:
4 h 02 min 09 s
